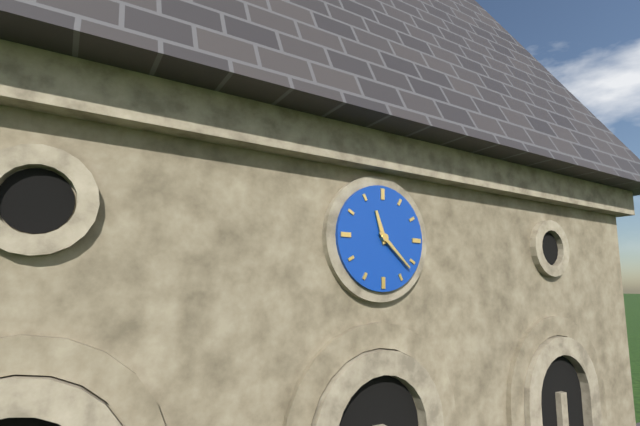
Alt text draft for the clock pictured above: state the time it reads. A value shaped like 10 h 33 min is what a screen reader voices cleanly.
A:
11 h 22 min
